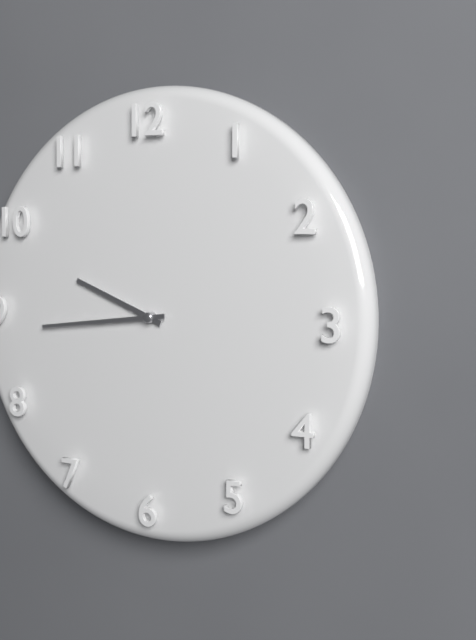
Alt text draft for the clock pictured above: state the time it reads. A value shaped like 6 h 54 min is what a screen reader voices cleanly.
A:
9 h 44 min
